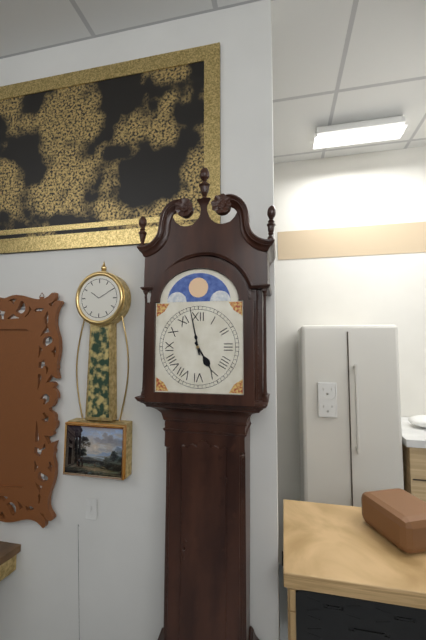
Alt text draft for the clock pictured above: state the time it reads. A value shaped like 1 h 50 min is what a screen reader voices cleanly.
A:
4 h 58 min
